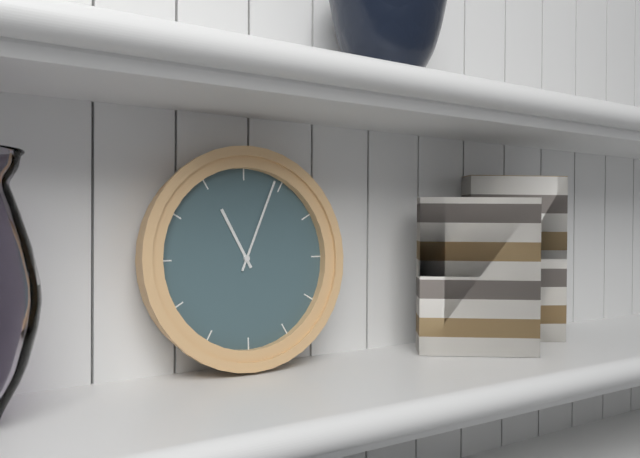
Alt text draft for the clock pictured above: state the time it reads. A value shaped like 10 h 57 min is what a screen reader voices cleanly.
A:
11 h 04 min
